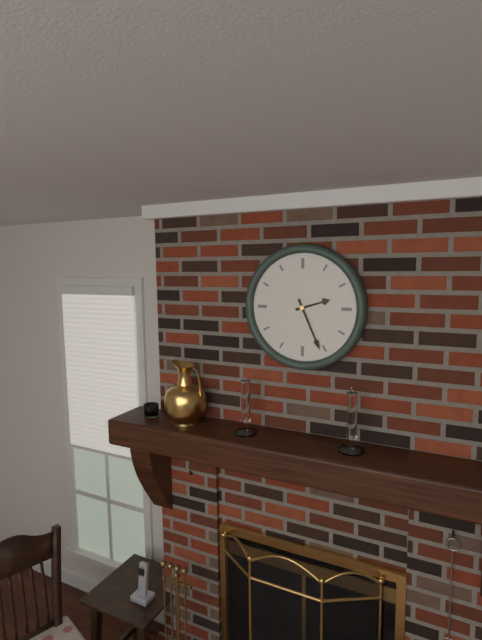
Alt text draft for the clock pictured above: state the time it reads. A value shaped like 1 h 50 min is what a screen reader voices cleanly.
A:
2 h 26 min
